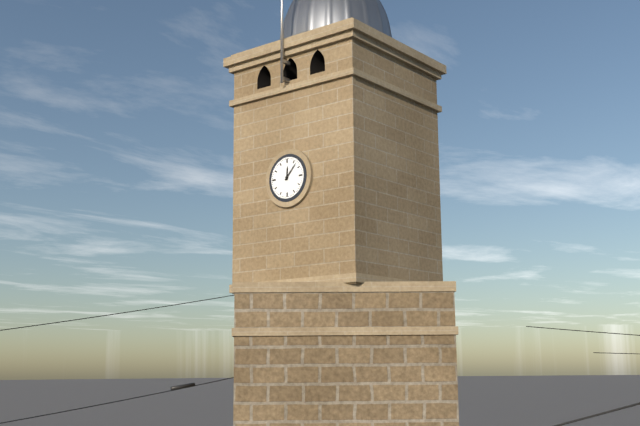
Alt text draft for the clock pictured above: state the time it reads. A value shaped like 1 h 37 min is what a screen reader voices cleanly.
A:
12 h 07 min
